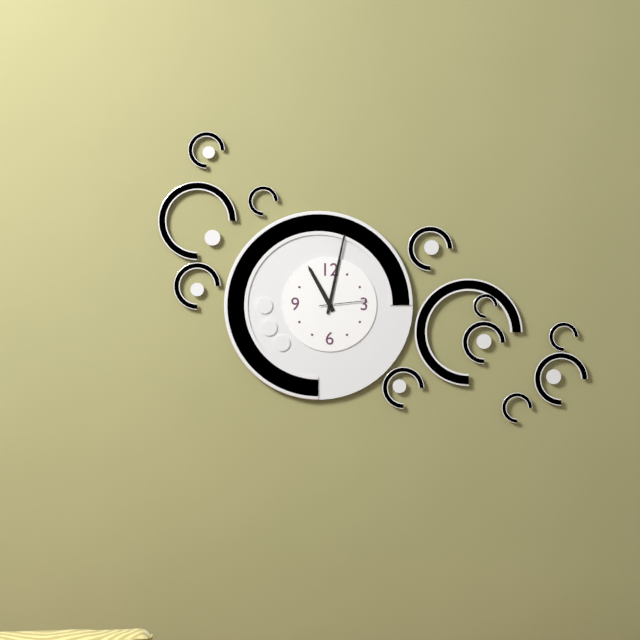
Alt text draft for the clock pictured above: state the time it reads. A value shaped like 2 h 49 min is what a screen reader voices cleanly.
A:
11 h 02 min
